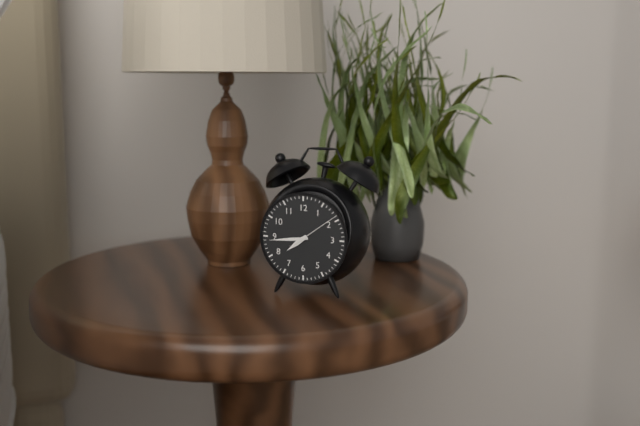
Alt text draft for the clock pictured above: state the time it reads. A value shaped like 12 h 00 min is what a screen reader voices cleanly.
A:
7 h 44 min
